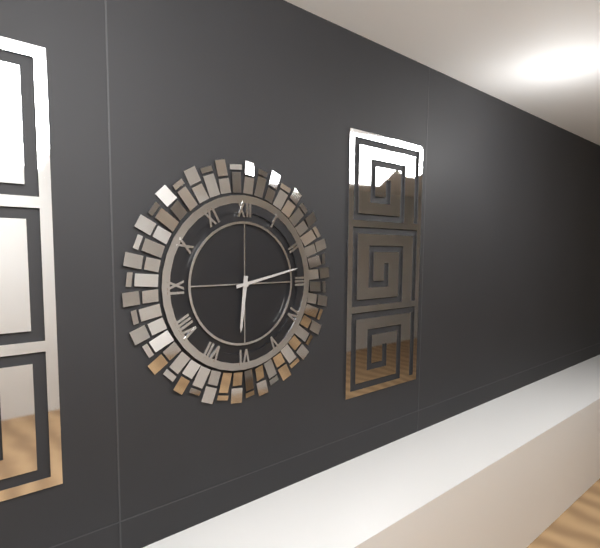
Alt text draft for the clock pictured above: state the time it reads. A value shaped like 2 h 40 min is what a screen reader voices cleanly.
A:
6 h 13 min
